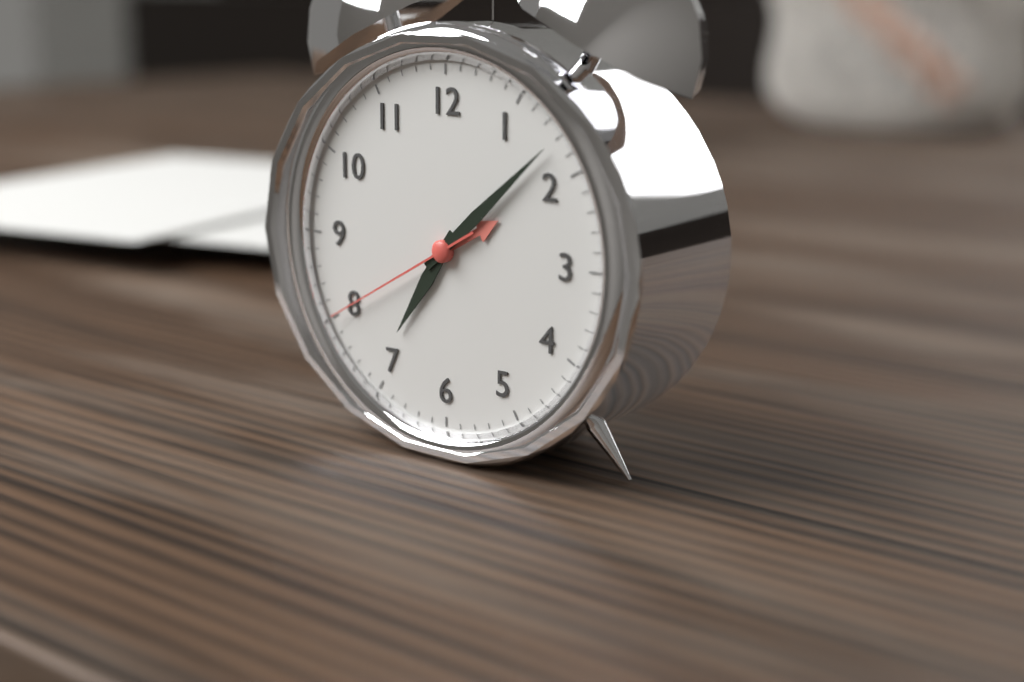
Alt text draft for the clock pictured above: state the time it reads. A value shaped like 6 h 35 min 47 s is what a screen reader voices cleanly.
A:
7 h 08 min 40 s
